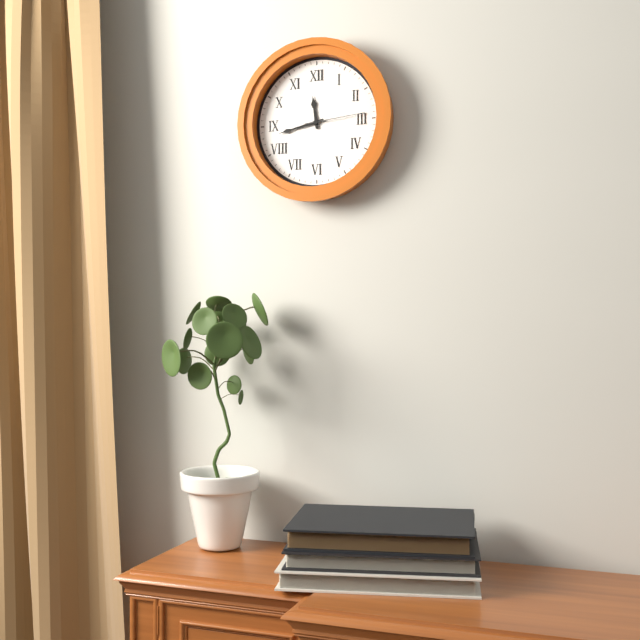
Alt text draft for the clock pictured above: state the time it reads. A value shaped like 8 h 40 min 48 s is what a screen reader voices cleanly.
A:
11 h 43 min 14 s
